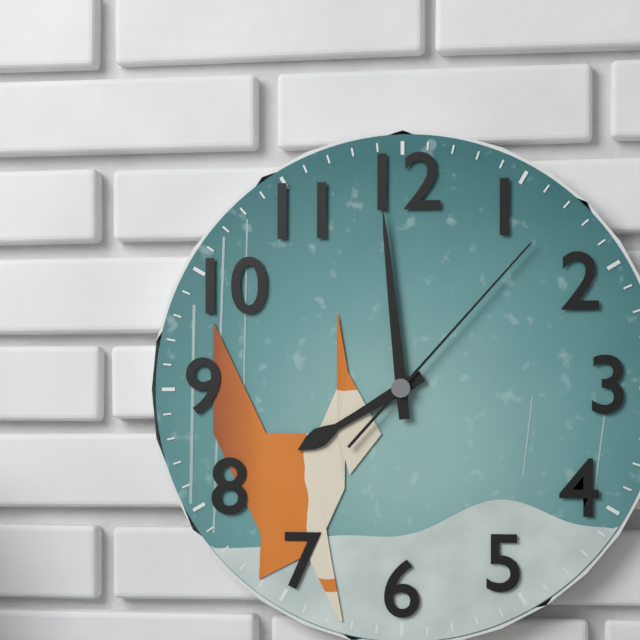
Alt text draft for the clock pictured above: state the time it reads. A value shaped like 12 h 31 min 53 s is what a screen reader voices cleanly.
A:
7 h 59 min 07 s
